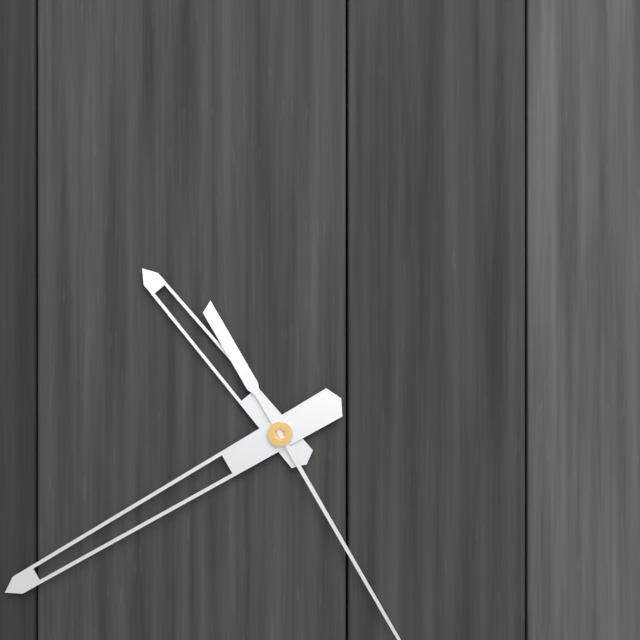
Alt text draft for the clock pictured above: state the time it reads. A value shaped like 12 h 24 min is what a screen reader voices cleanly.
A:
10 h 40 min
